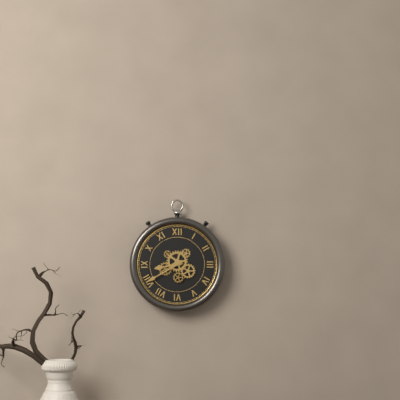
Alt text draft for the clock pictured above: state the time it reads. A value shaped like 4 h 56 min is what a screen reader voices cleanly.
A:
8 h 40 min
